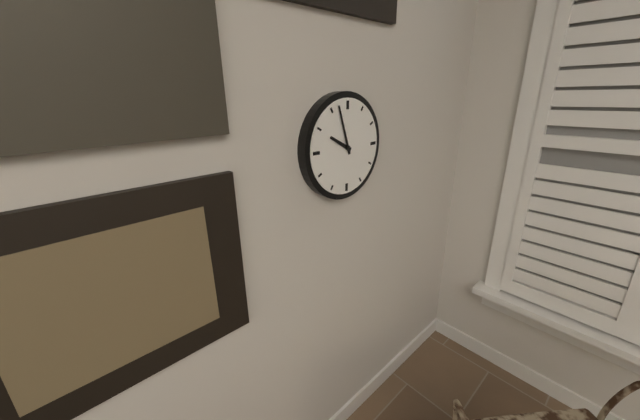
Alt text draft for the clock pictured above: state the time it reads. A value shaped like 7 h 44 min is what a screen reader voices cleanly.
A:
9 h 57 min
